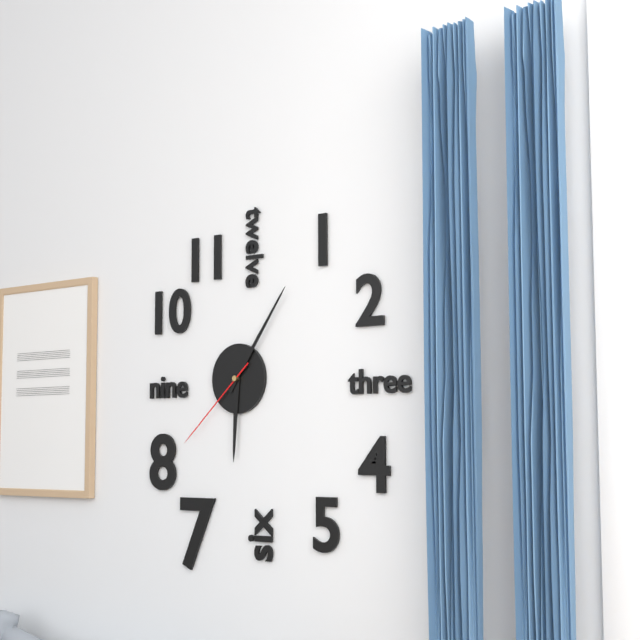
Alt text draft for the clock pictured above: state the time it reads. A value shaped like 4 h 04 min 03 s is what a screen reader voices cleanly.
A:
6 h 06 min 38 s
